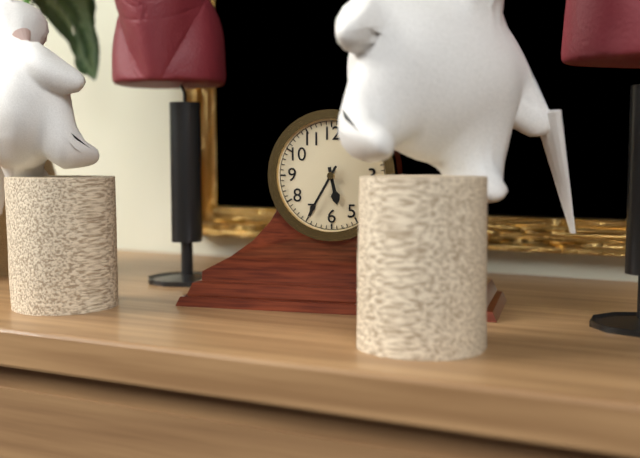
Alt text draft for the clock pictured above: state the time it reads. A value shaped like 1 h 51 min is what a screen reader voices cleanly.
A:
5 h 35 min
